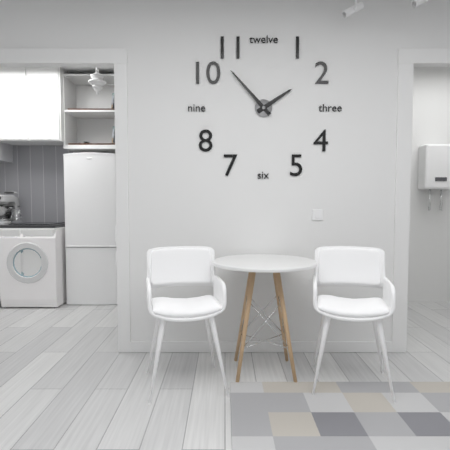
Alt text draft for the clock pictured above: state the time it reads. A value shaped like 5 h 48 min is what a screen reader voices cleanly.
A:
1 h 53 min
